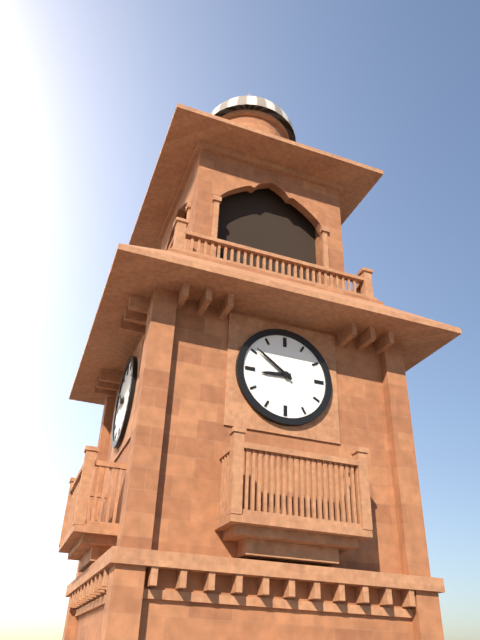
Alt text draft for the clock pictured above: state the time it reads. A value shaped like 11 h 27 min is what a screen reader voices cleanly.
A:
8 h 51 min
